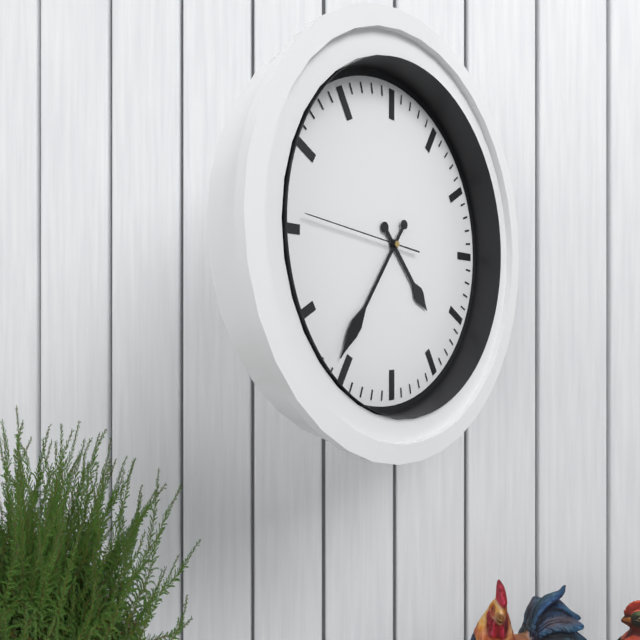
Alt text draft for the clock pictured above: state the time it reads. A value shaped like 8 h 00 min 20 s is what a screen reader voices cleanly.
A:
4 h 36 min 46 s
